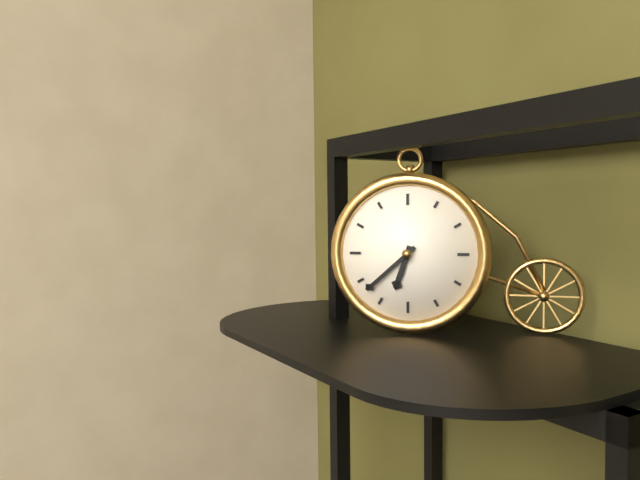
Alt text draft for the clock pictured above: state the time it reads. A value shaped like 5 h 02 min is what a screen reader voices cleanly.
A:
6 h 38 min
